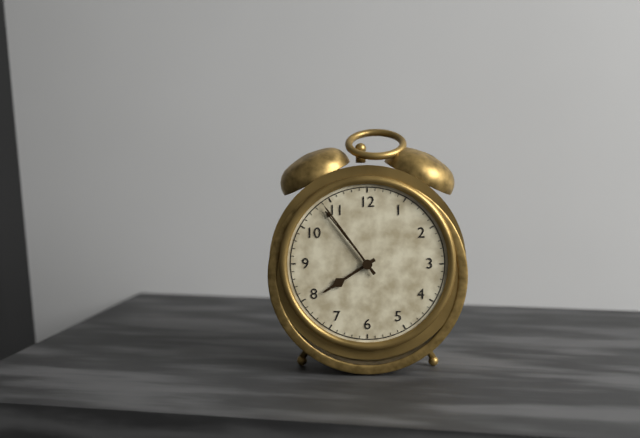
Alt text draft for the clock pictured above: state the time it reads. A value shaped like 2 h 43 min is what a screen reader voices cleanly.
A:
7 h 54 min
